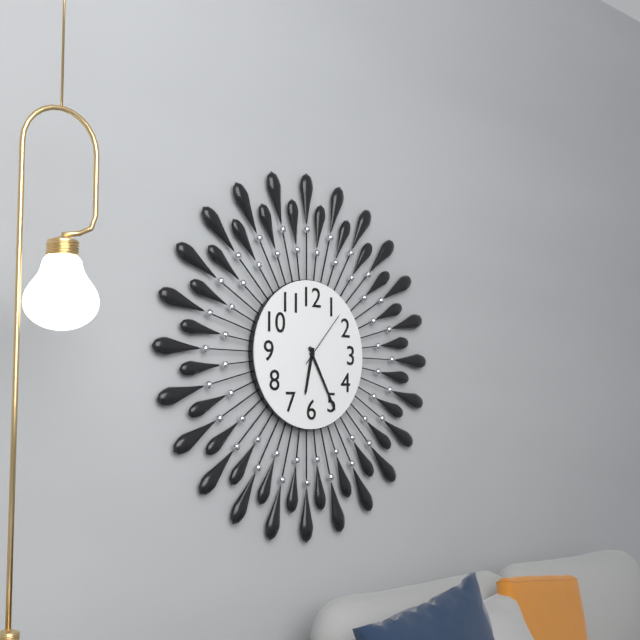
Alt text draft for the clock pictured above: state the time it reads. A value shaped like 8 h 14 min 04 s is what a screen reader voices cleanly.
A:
6 h 25 min 07 s
